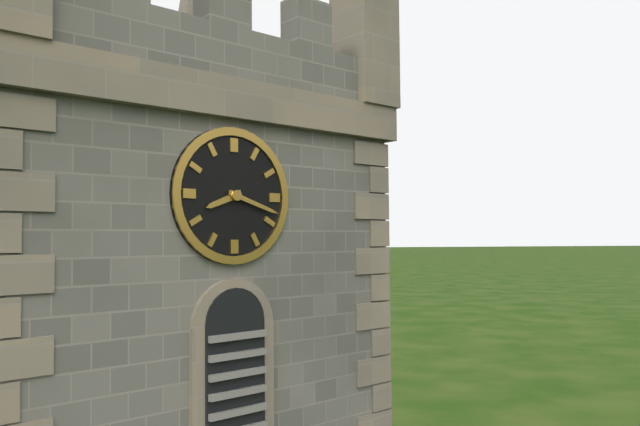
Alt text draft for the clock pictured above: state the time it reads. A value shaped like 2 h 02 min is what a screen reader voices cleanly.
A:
8 h 18 min
